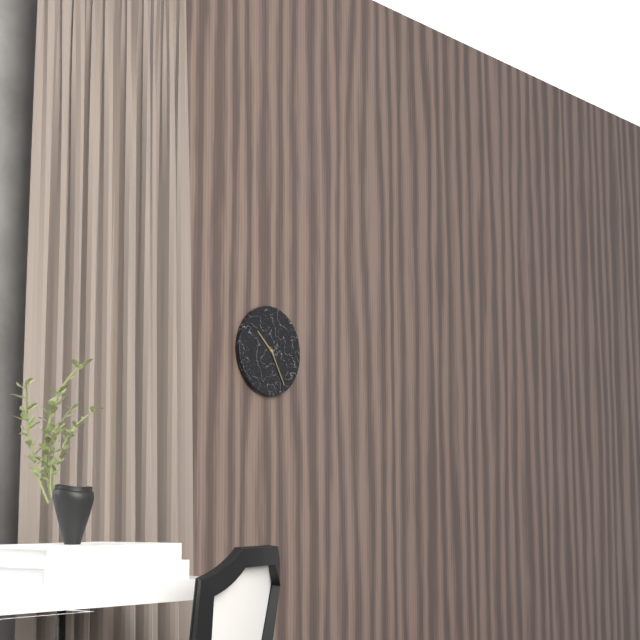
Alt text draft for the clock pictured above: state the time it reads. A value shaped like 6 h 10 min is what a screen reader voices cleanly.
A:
10 h 25 min
